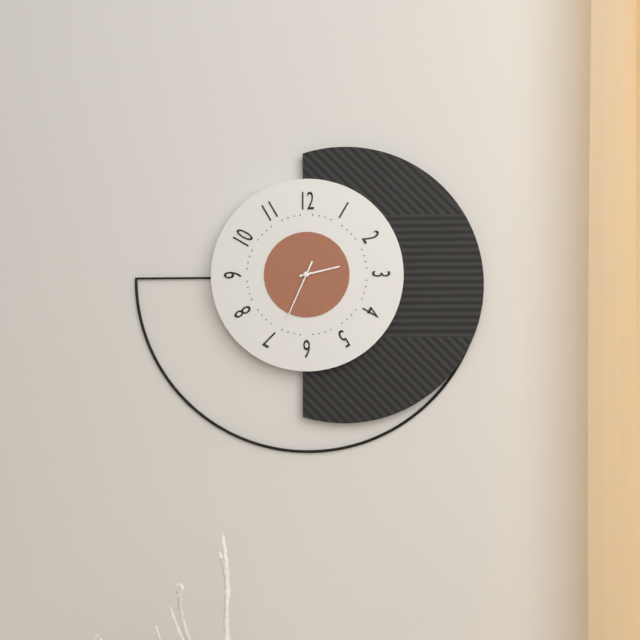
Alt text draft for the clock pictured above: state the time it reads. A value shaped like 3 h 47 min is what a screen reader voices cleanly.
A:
2 h 34 min
